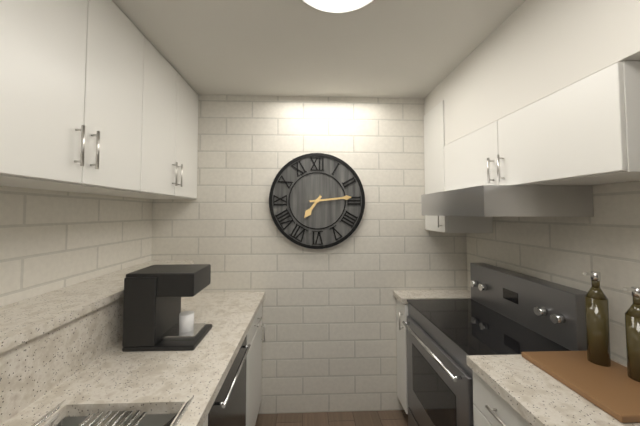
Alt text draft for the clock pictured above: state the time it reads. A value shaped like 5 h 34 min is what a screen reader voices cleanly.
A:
7 h 14 min
